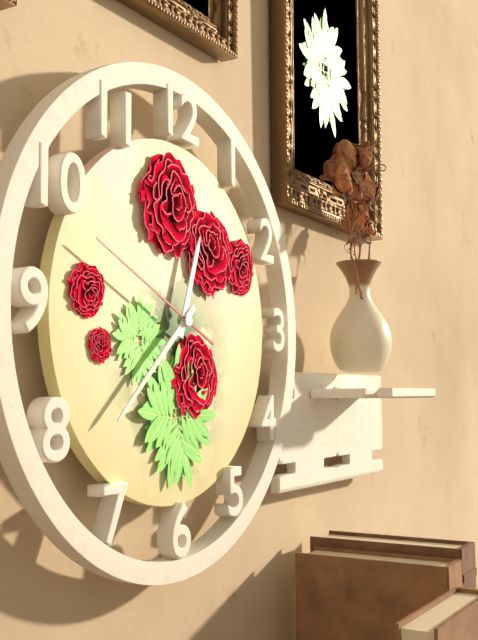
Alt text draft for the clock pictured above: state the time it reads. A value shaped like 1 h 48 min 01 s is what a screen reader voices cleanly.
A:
12 h 38 min 49 s
